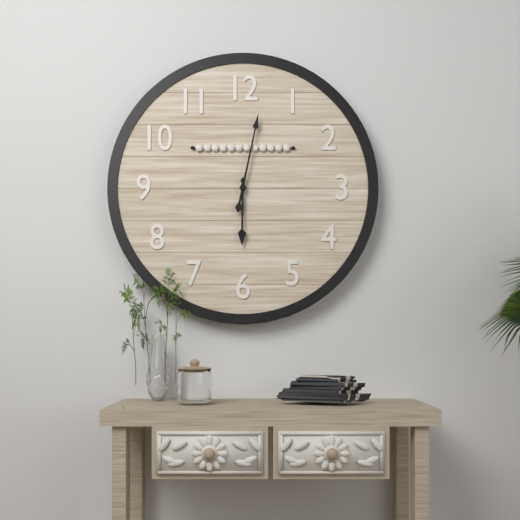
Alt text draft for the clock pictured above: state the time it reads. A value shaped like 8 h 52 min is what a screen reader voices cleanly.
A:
6 h 02 min
